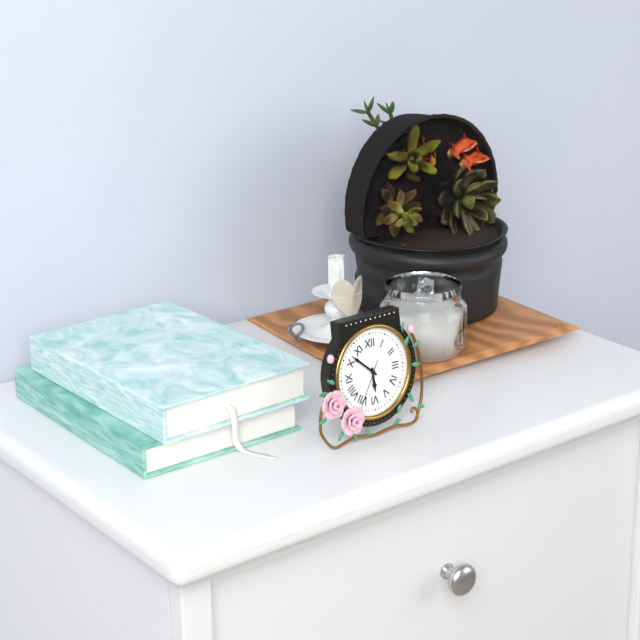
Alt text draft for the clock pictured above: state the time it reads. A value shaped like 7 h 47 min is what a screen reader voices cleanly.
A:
5 h 52 min
